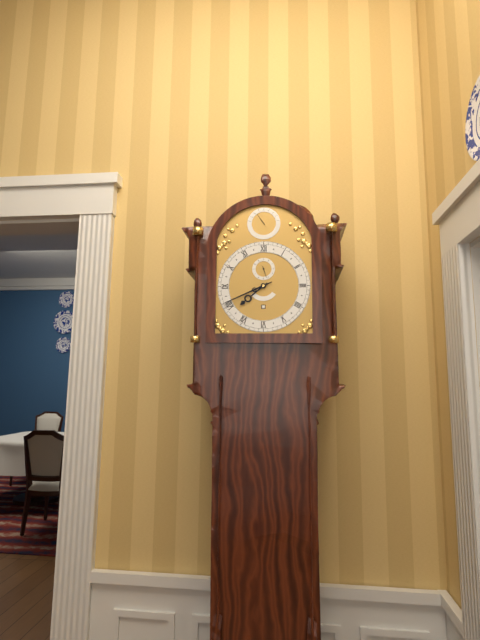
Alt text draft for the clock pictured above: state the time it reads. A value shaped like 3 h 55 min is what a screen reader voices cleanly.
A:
7 h 41 min
